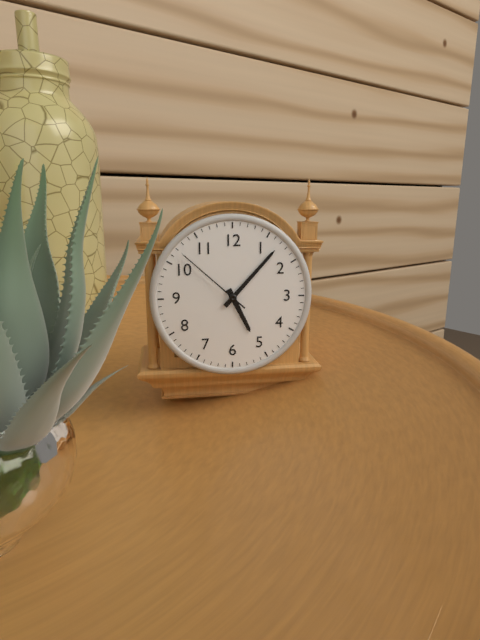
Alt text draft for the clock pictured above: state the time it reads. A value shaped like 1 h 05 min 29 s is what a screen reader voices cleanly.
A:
5 h 07 min 52 s
